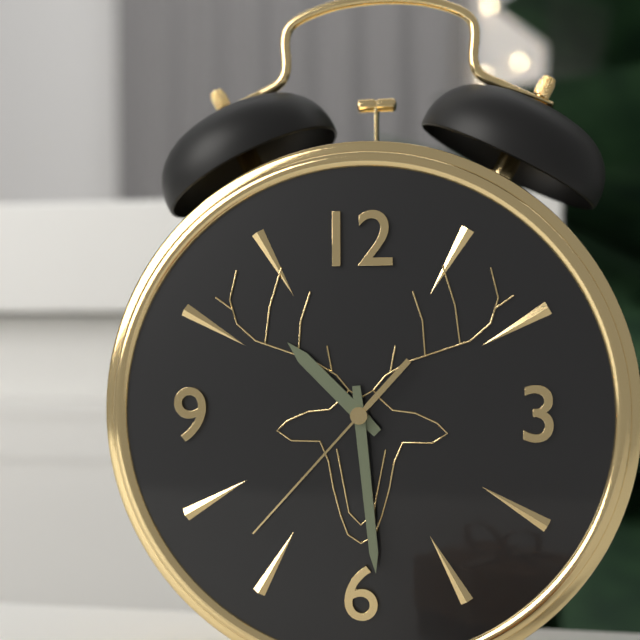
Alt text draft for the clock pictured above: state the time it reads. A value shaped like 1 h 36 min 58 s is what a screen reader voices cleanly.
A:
10 h 29 min 37 s
